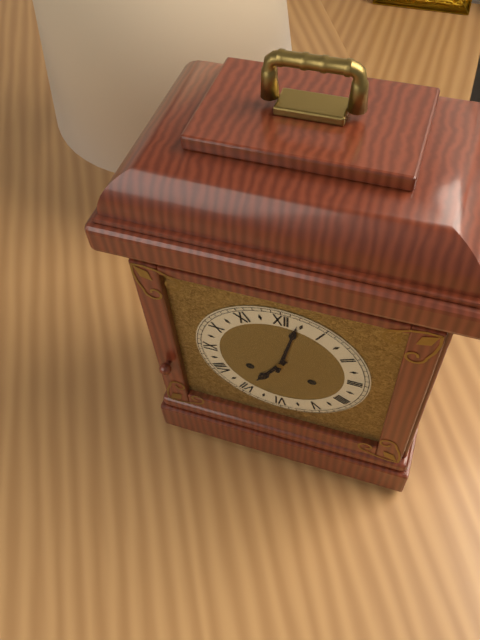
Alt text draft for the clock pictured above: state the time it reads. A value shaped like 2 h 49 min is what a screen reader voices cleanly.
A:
7 h 02 min
